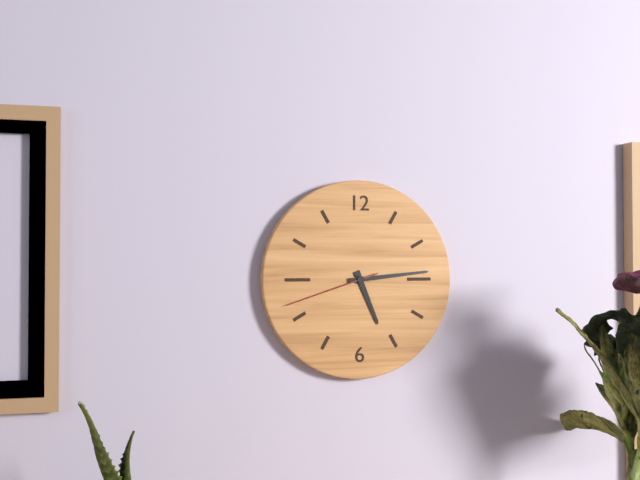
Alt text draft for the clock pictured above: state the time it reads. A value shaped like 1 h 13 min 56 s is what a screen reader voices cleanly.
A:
5 h 14 min 42 s
